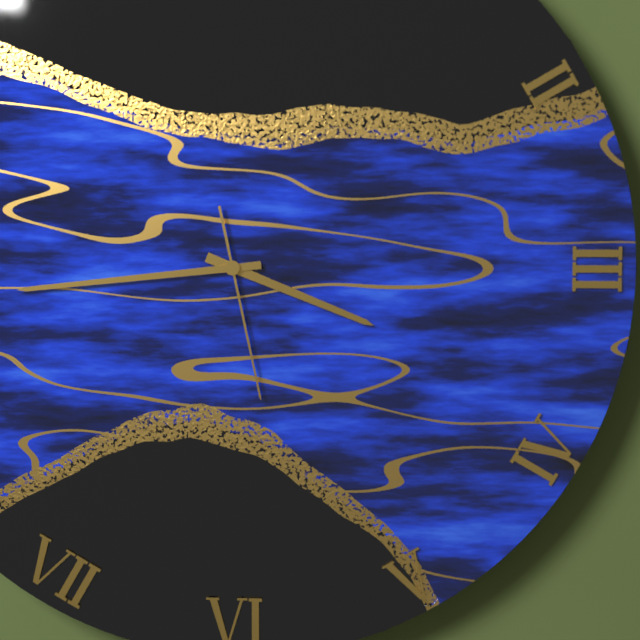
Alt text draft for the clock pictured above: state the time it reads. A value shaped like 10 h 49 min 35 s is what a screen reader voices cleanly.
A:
3 h 44 min 28 s
